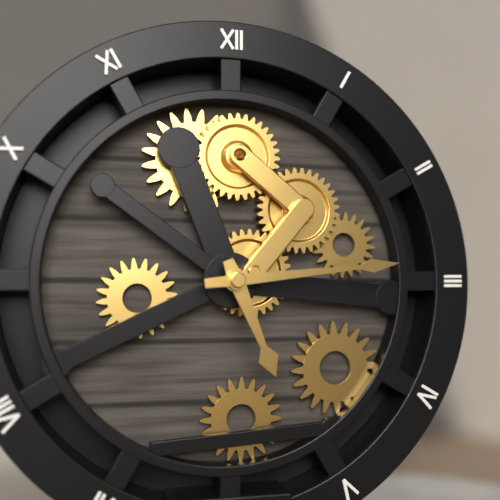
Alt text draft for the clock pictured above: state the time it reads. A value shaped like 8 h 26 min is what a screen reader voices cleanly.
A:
5 h 14 min
